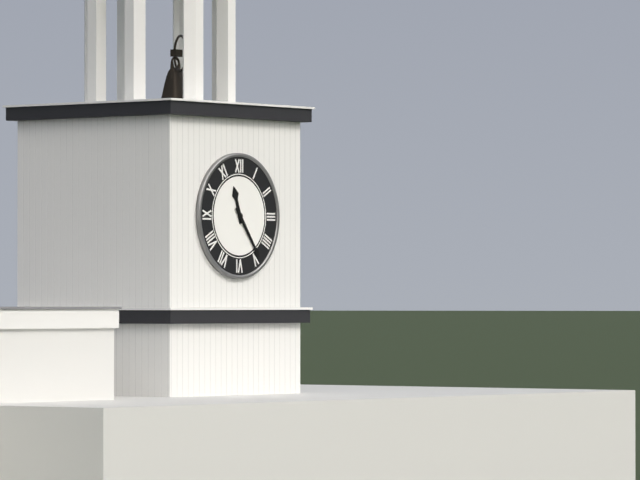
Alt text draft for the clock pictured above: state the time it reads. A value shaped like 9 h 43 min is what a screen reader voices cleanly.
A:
11 h 24 min
